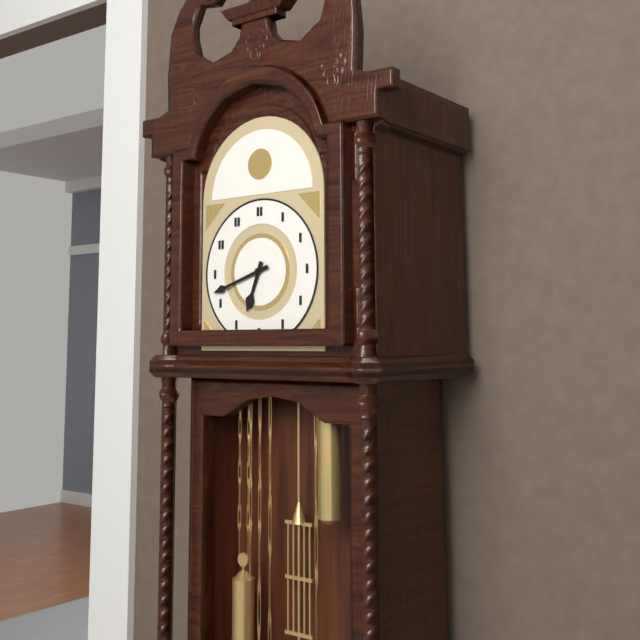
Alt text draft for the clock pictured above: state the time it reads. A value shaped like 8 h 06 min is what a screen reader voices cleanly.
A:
6 h 42 min
